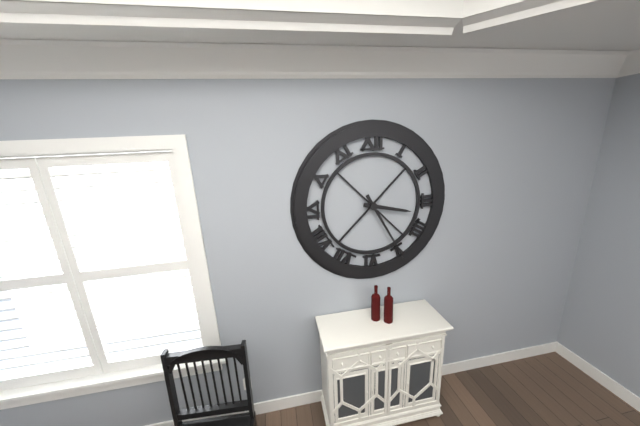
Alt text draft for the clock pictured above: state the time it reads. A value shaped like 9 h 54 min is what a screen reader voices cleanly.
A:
3 h 25 min
